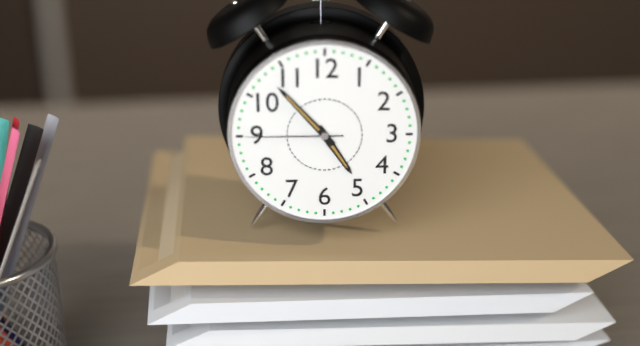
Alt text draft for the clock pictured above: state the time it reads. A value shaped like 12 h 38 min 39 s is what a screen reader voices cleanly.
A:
4 h 53 min 45 s
